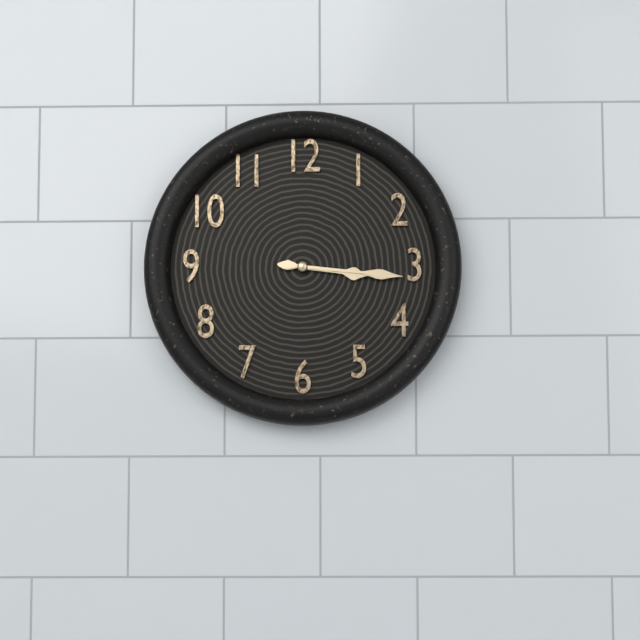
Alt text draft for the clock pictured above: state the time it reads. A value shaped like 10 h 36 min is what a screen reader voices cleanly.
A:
3 h 16 min
